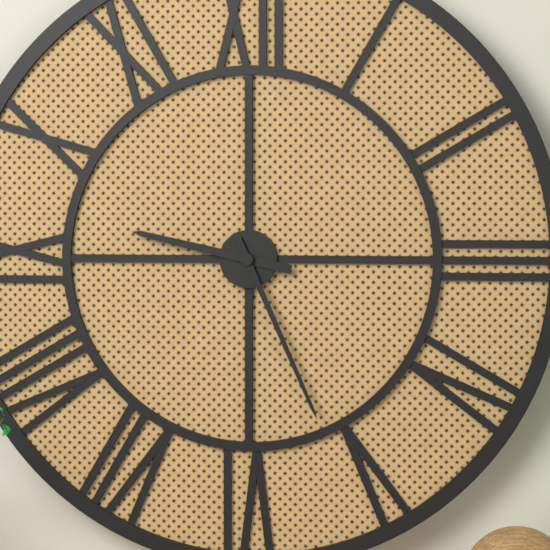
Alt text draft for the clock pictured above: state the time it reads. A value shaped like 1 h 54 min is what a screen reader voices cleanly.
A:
9 h 26 min
